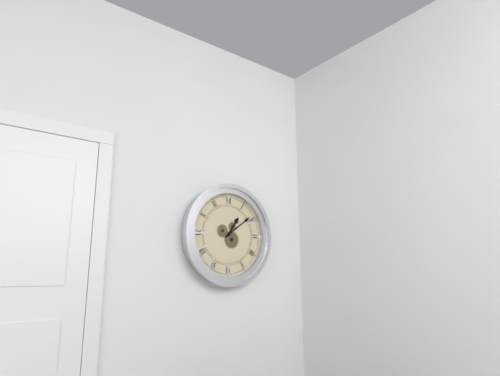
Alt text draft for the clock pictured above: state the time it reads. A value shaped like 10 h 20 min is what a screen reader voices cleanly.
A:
1 h 09 min
